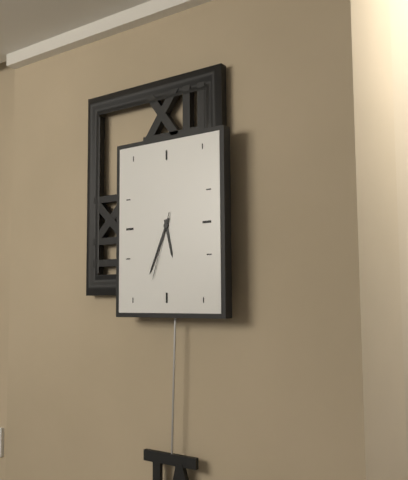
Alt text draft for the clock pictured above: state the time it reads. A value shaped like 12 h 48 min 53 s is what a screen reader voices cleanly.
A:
5 h 34 min 33 s
